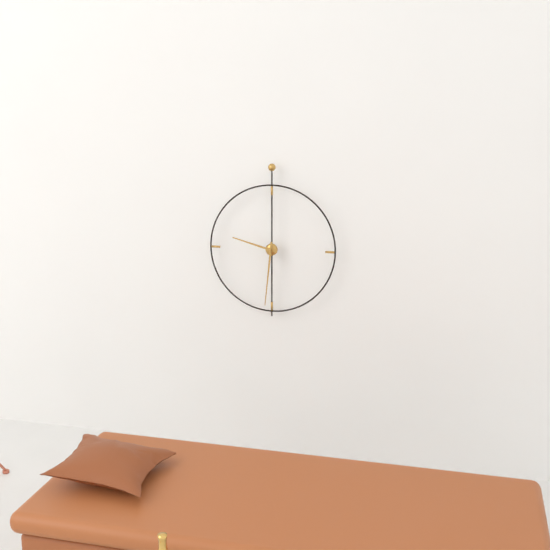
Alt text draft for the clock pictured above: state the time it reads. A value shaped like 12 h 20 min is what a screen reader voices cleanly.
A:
9 h 31 min
